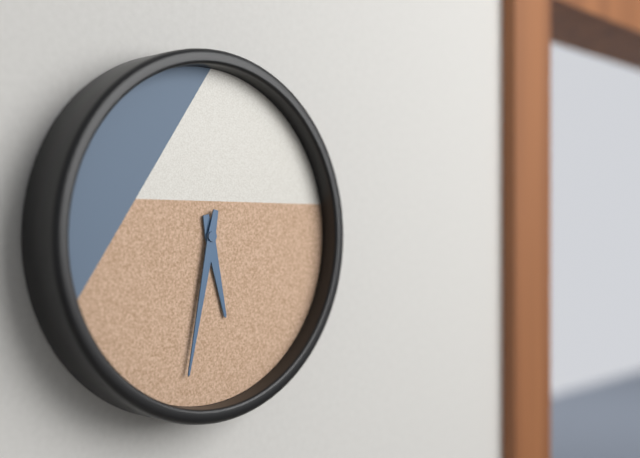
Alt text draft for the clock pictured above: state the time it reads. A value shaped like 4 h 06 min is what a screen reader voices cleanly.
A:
5 h 32 min
